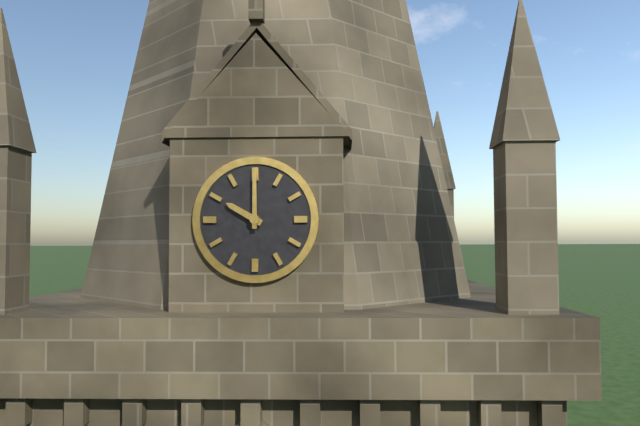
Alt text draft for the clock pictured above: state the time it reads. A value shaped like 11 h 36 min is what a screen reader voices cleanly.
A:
10 h 00 min
